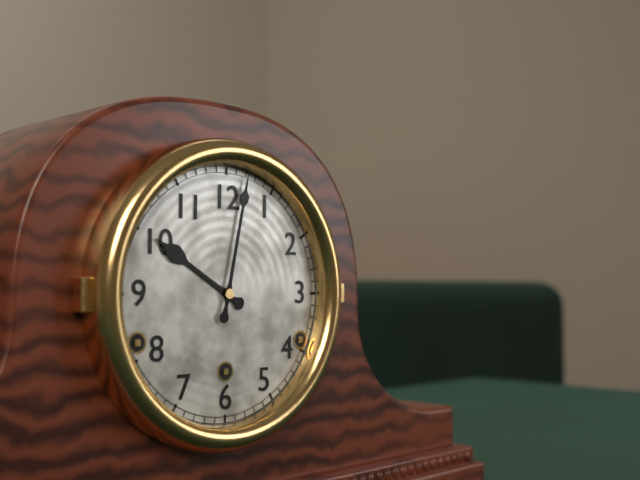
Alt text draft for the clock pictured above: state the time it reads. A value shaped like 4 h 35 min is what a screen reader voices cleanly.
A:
10 h 02 min
